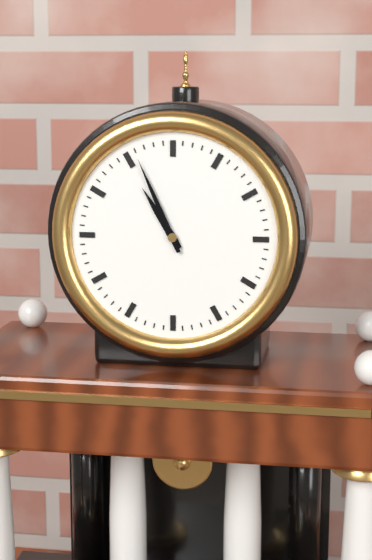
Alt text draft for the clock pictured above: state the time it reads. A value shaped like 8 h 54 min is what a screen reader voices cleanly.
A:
10 h 56 min
